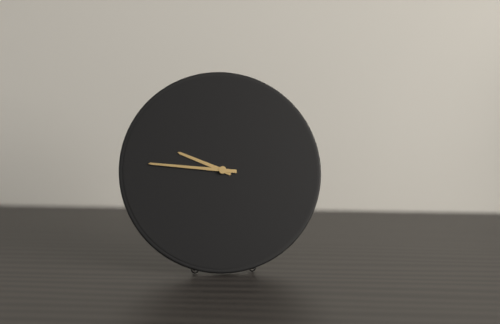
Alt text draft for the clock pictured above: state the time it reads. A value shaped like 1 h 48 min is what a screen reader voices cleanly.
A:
9 h 46 min
